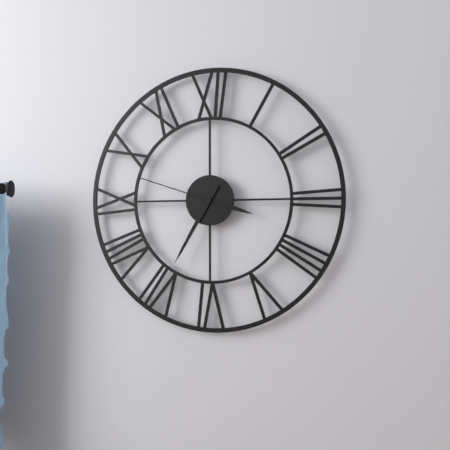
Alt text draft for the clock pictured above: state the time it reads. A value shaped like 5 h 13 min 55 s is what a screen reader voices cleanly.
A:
3 h 35 min 48 s
